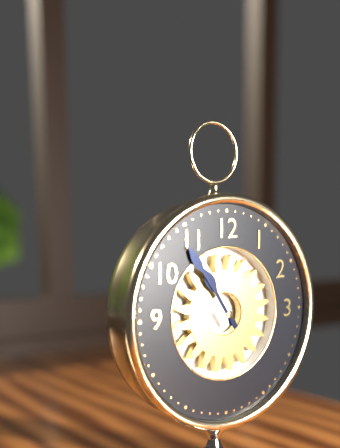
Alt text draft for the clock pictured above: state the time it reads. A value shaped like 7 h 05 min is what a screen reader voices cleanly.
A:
10 h 54 min
